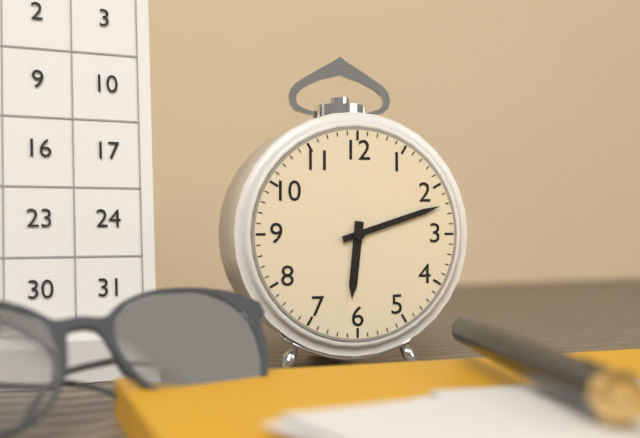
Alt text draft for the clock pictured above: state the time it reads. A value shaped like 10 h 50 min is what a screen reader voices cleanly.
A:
6 h 12 min
